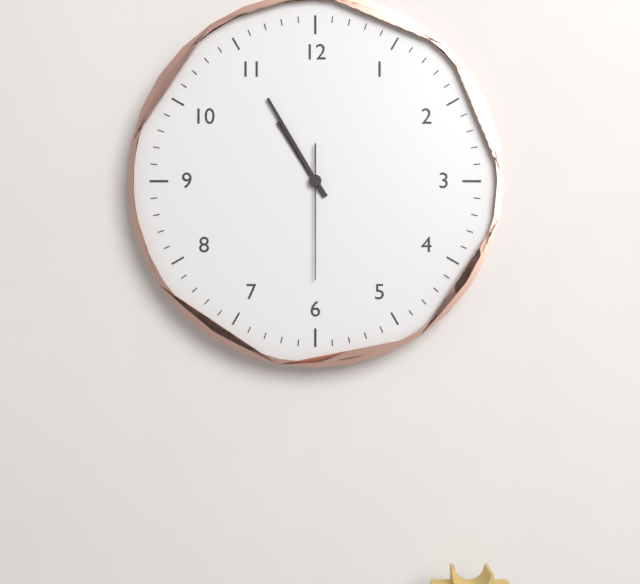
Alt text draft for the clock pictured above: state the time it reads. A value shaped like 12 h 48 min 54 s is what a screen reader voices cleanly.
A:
10 h 55 min 30 s
